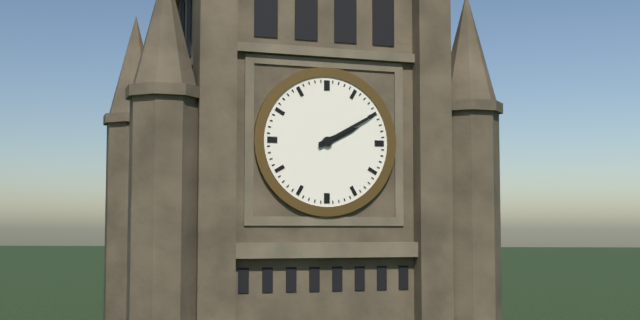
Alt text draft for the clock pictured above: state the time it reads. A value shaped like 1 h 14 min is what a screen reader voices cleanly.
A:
2 h 10 min
